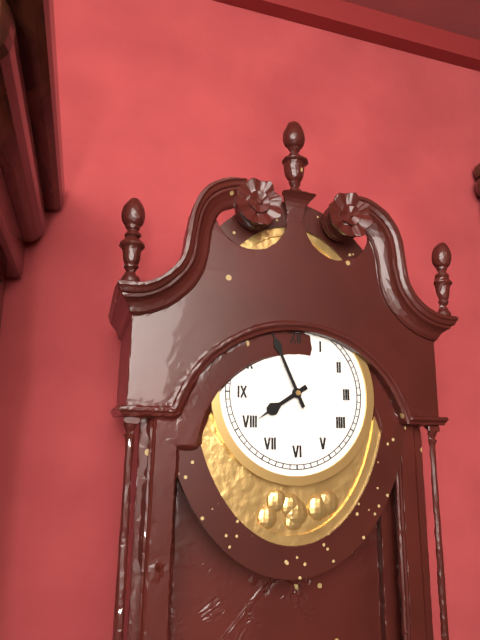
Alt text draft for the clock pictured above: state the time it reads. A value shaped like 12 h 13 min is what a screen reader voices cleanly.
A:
7 h 56 min
